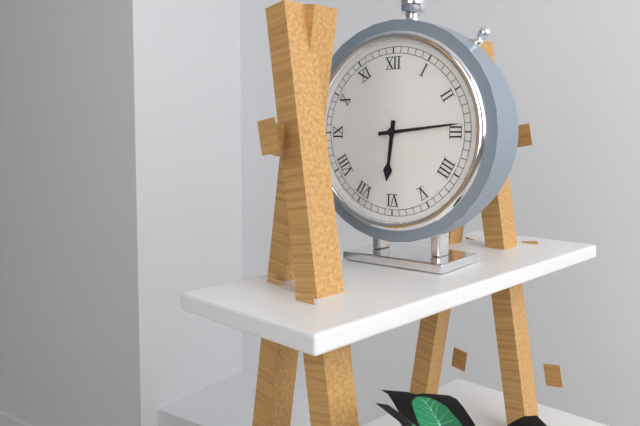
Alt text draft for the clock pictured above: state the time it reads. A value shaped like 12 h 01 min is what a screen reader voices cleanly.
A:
6 h 14 min
